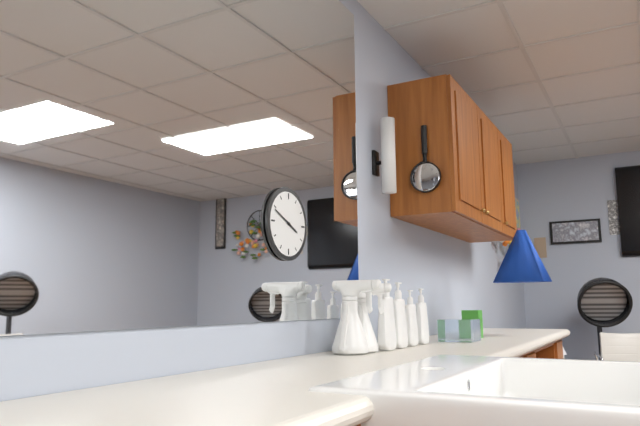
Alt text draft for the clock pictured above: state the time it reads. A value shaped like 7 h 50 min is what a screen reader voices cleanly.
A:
3 h 49 min
